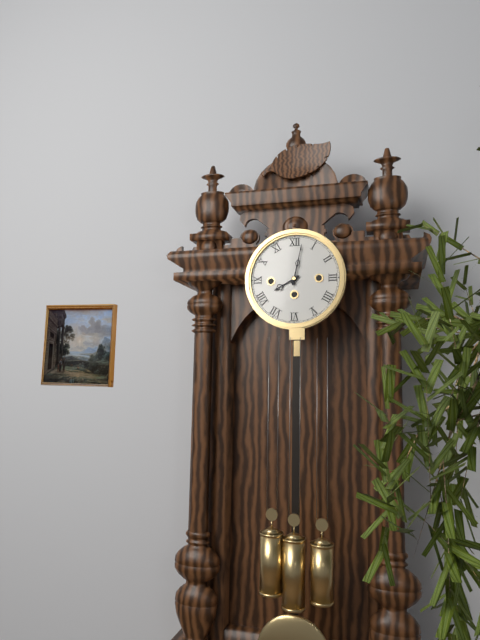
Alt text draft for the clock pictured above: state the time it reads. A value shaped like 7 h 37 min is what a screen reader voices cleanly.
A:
8 h 02 min
